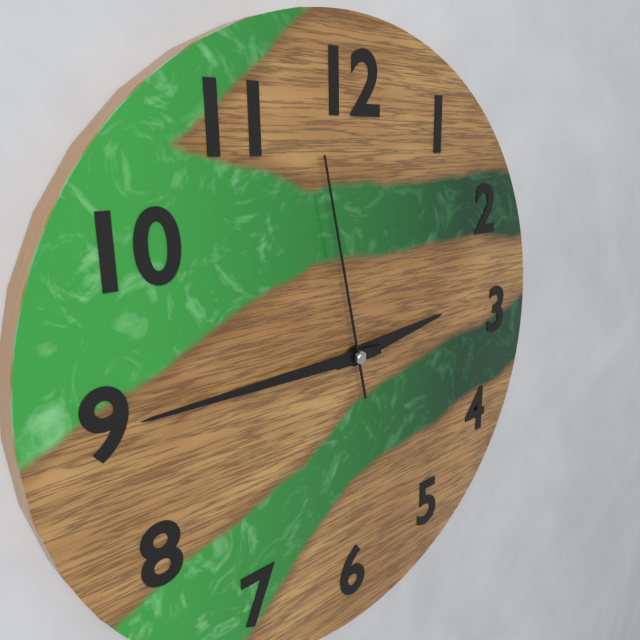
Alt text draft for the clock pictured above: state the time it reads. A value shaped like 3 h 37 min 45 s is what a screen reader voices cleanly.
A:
2 h 45 min 58 s
